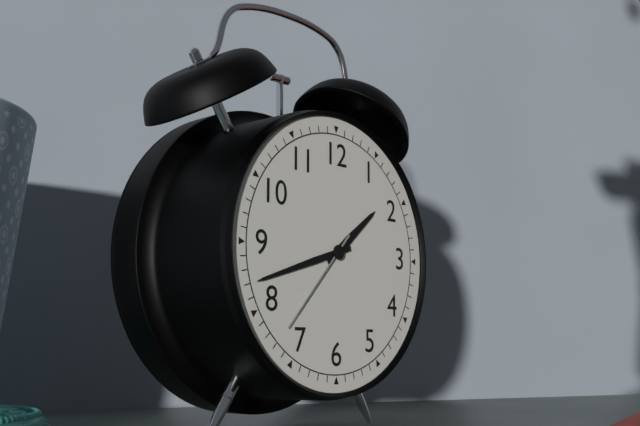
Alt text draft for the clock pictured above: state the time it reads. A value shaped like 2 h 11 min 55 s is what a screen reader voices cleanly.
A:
1 h 42 min 37 s
